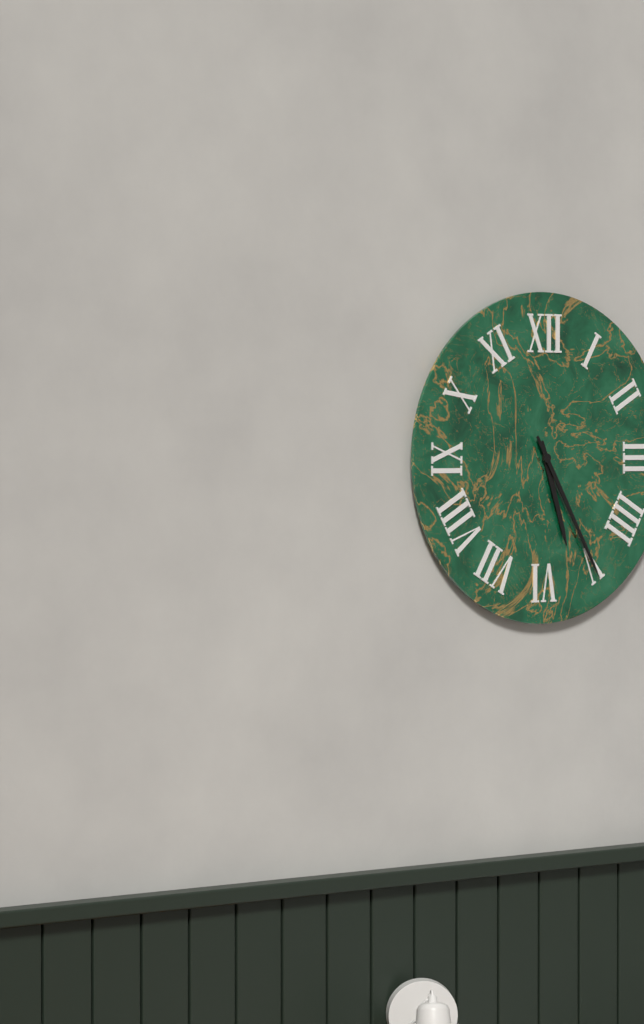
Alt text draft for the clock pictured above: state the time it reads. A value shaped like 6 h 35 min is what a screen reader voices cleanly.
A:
5 h 25 min
